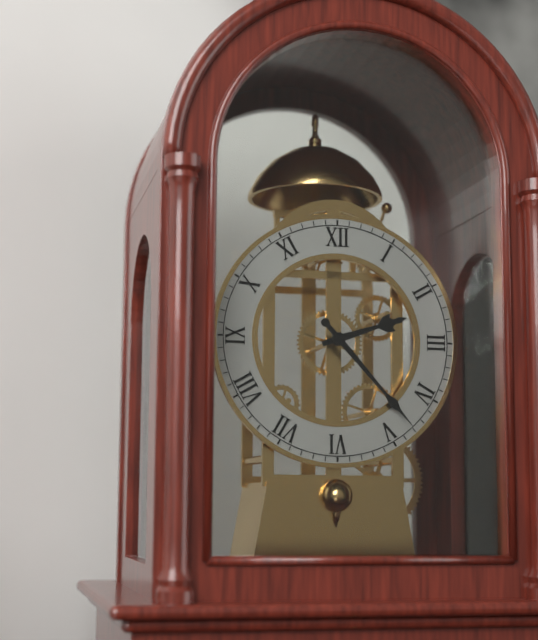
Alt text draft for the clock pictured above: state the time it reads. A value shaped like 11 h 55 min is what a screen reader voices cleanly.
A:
2 h 23 min
